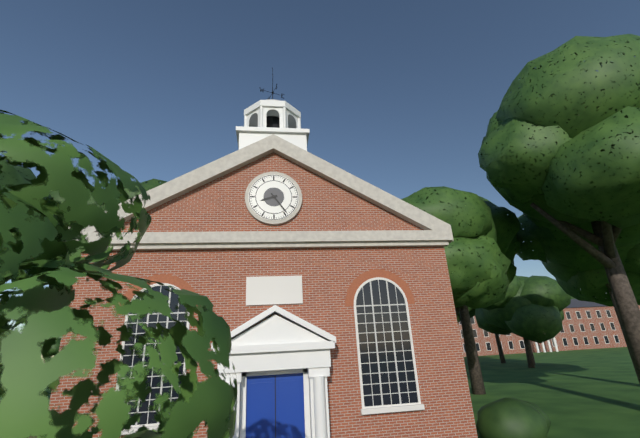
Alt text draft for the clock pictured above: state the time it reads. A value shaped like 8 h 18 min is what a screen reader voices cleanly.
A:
8 h 24 min
